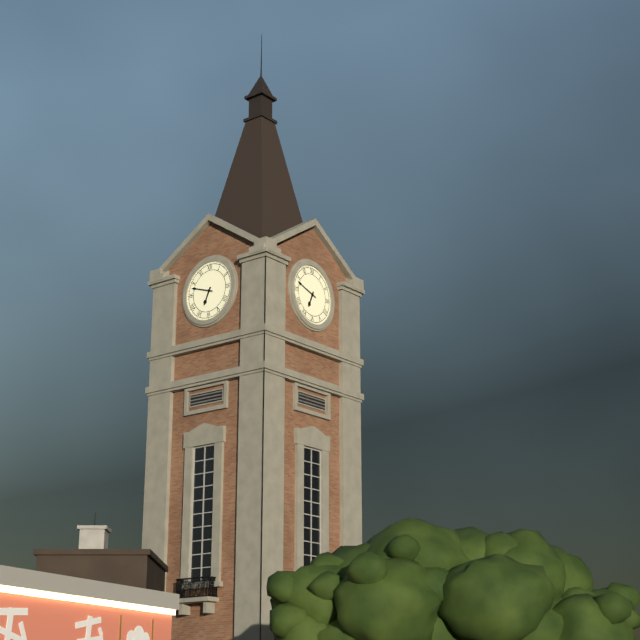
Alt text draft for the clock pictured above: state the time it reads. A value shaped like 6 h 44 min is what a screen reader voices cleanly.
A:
6 h 48 min
